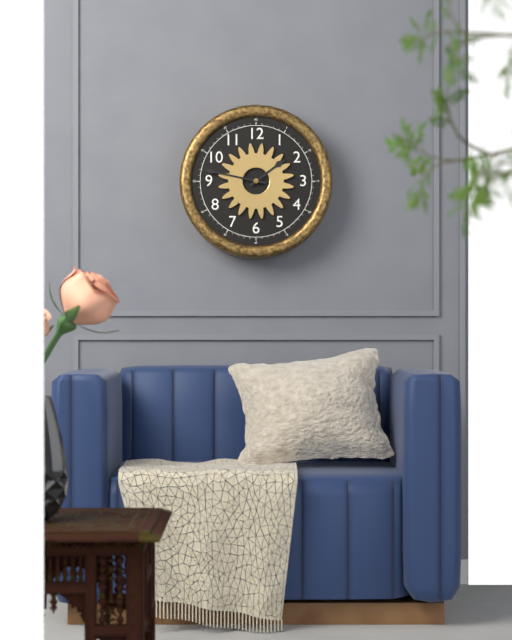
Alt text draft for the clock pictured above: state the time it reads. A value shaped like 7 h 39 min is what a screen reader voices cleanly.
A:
1 h 47 min
